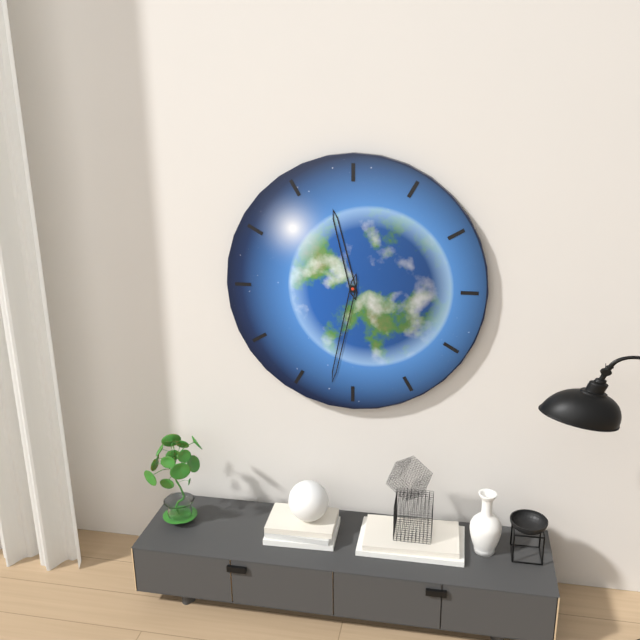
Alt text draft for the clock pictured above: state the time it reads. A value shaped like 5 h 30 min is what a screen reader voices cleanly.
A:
11 h 32 min
